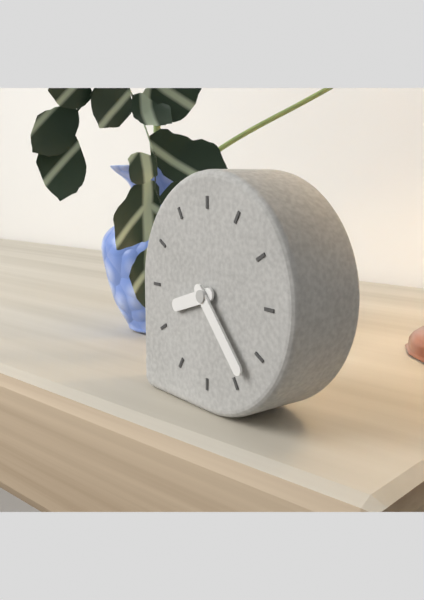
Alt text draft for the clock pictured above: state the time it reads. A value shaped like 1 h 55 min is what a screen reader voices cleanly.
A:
8 h 23 min
